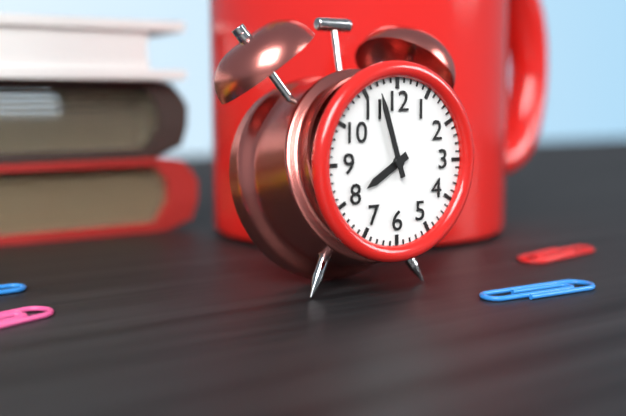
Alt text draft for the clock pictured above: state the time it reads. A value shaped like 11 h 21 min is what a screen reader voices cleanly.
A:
7 h 57 min
